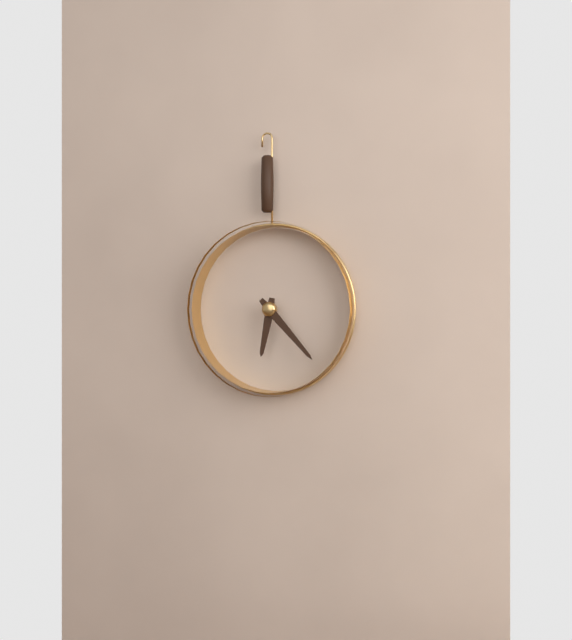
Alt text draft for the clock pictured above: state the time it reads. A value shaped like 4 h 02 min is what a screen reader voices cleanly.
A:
6 h 23 min
